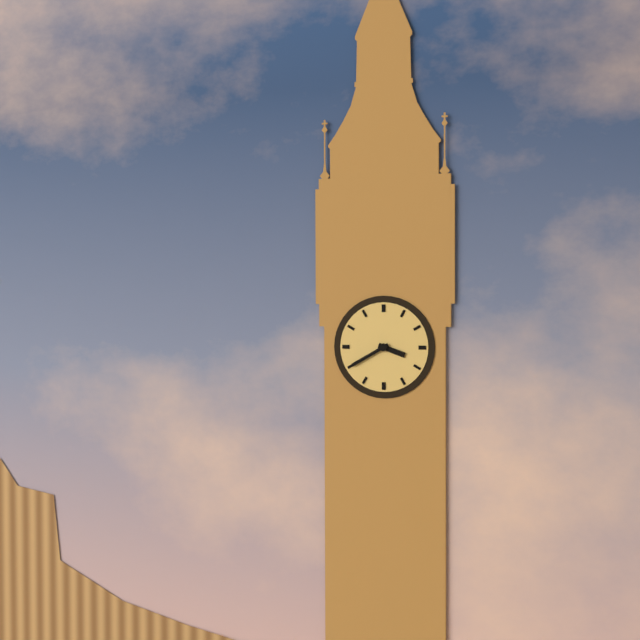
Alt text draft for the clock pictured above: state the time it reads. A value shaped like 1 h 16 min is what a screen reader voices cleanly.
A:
3 h 40 min
